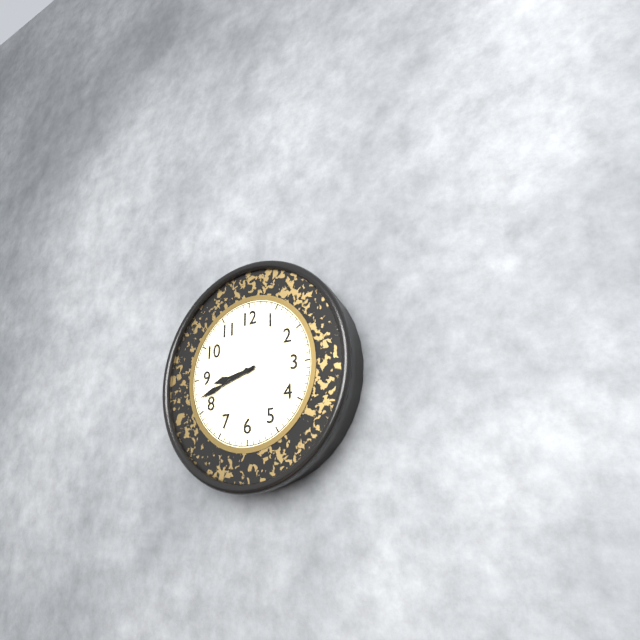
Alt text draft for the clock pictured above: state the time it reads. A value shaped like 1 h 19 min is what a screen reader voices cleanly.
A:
8 h 42 min
